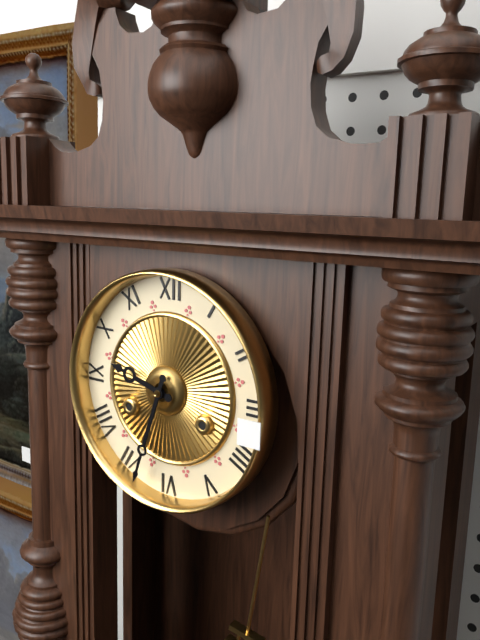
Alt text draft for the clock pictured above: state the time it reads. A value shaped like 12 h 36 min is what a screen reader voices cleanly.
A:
9 h 33 min
